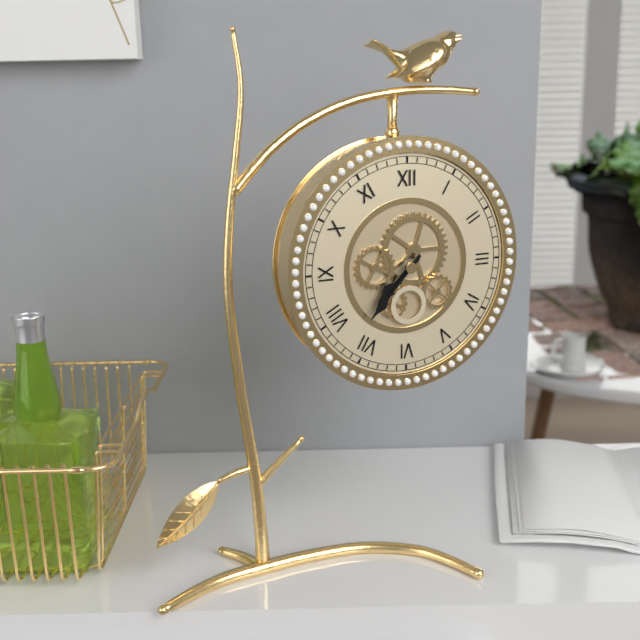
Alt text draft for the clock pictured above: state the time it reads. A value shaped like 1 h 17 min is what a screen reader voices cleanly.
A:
7 h 37 min
